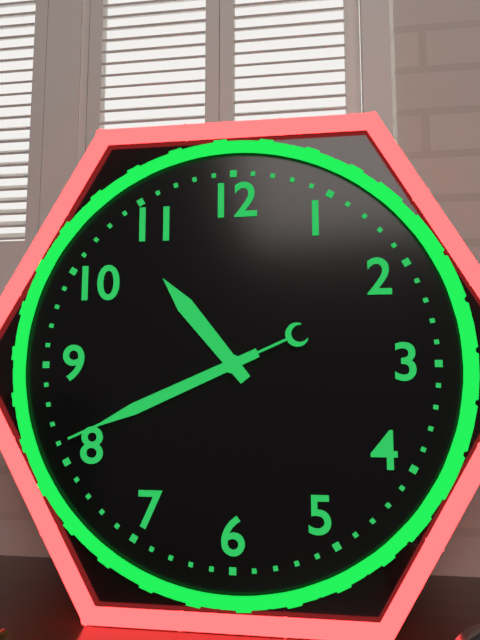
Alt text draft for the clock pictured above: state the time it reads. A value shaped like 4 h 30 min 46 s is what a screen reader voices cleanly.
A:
10 h 41 min 41 s
